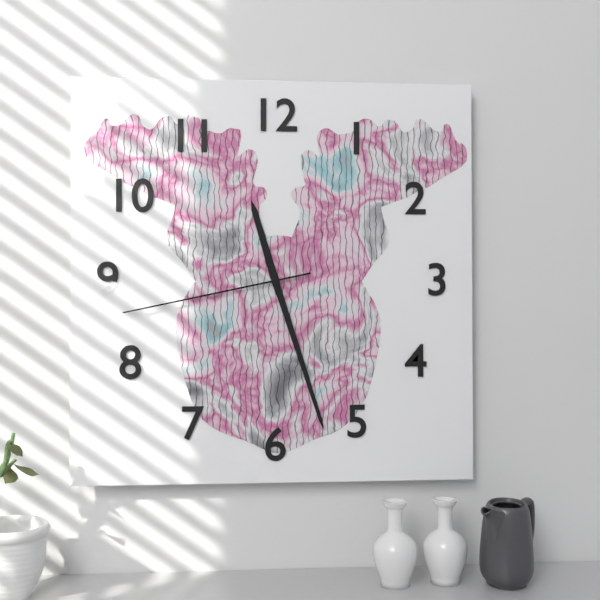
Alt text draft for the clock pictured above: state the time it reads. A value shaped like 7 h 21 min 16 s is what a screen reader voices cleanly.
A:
11 h 27 min 43 s
